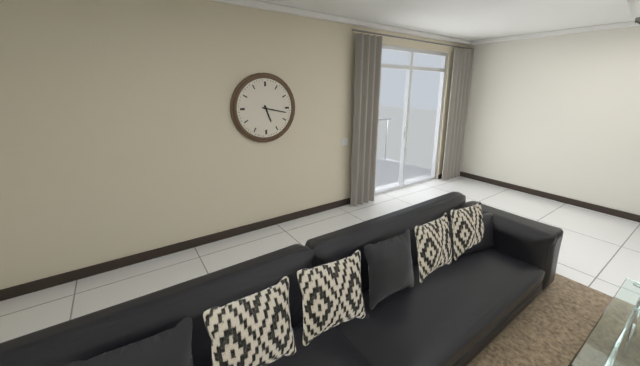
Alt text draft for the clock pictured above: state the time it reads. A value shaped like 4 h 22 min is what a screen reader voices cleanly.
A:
5 h 17 min
